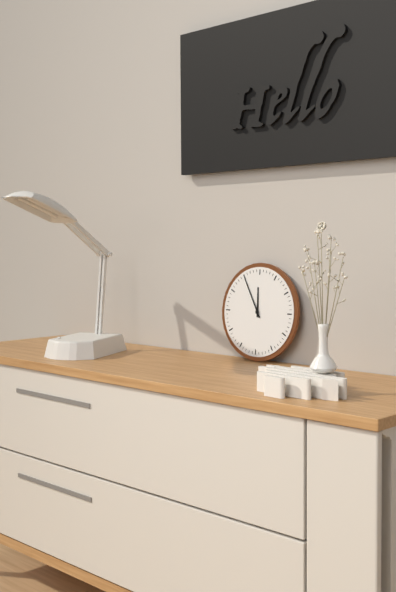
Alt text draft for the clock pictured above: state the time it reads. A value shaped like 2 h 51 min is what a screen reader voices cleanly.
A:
11 h 55 min
